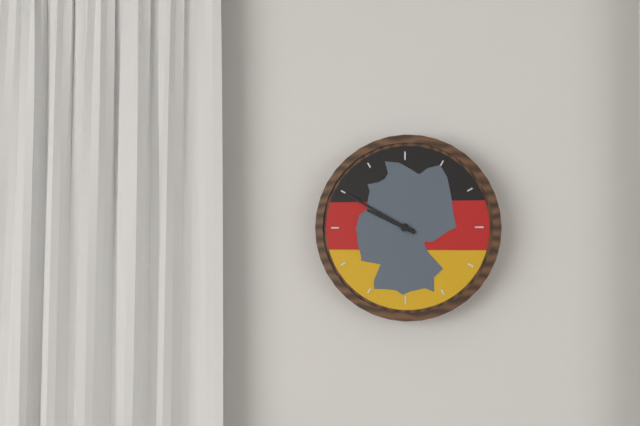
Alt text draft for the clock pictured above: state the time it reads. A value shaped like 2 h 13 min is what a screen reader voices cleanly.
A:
9 h 50 min
